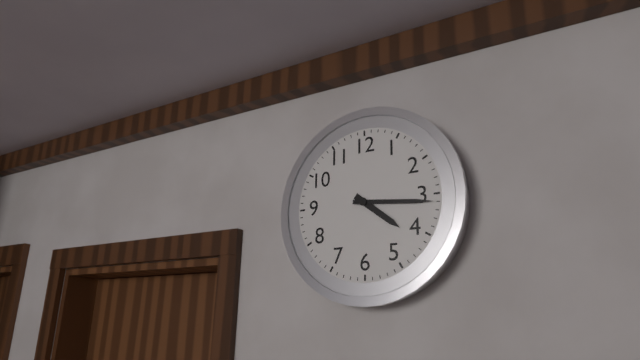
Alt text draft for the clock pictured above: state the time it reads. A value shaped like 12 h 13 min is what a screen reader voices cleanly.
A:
4 h 16 min
